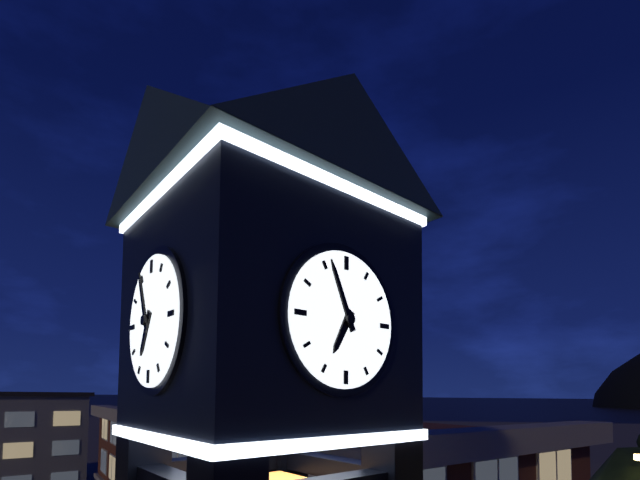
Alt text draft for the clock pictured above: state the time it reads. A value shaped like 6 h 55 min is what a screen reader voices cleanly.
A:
6 h 56 min
